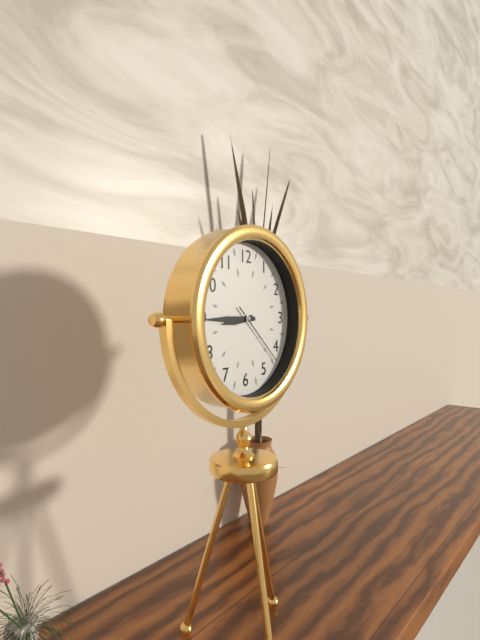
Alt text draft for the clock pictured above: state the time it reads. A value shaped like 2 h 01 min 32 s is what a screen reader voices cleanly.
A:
8 h 45 min 22 s
